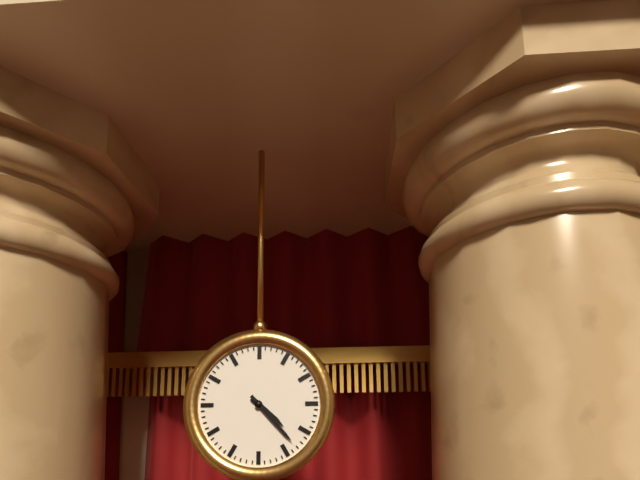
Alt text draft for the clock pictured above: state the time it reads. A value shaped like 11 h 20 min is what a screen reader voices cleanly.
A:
4 h 23 min
